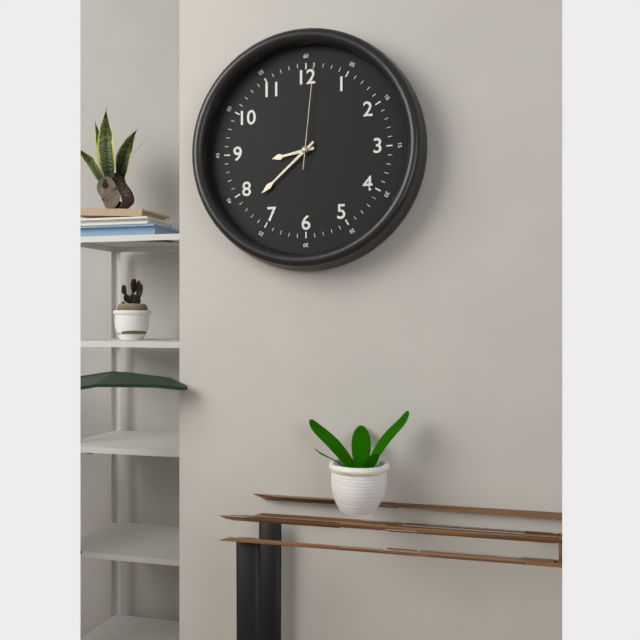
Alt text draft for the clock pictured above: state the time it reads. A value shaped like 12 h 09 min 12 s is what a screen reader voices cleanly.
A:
8 h 38 min 01 s
